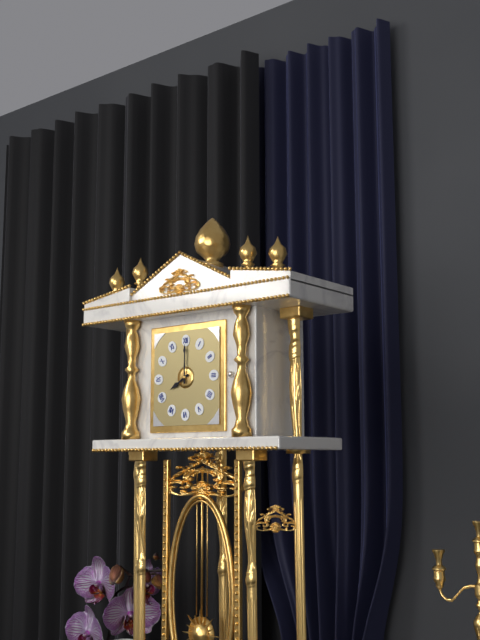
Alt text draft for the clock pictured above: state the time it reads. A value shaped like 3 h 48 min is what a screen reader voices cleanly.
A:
8 h 00 min
